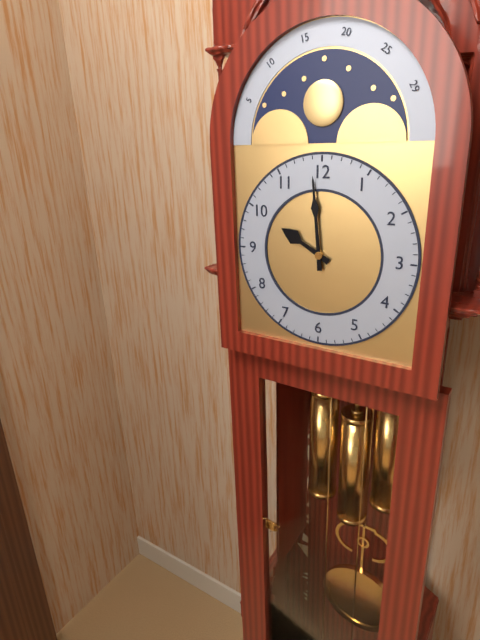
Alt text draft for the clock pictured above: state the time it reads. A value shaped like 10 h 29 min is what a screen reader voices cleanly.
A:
9 h 59 min
